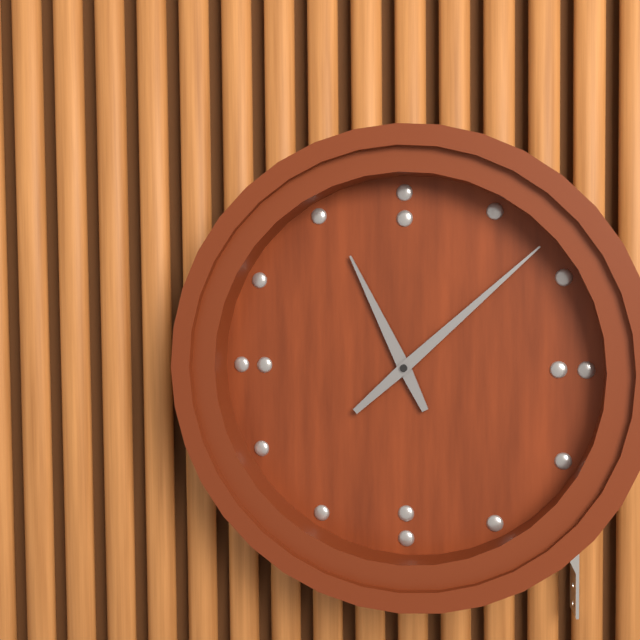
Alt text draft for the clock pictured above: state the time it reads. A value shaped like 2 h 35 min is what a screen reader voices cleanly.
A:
11 h 08 min
